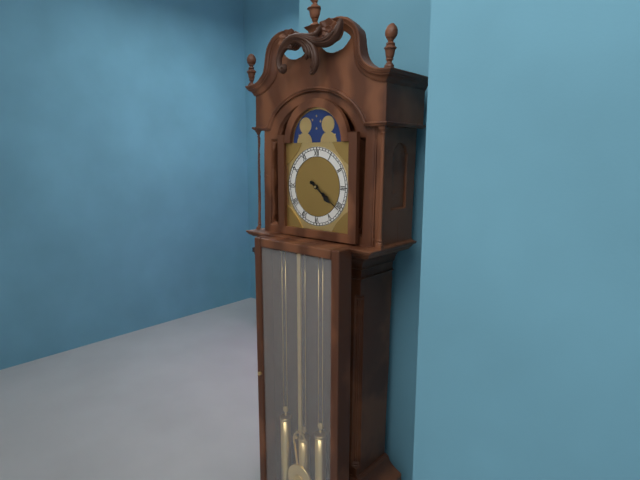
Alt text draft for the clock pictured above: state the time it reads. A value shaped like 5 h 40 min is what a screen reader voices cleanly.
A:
4 h 21 min
